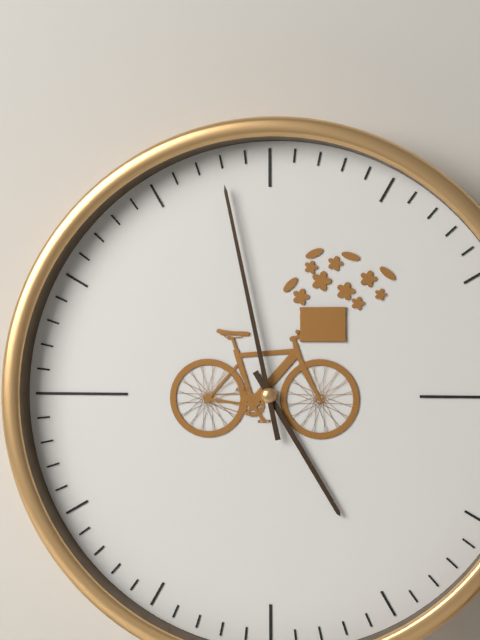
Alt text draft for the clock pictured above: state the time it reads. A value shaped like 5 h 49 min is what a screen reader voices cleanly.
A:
4 h 58 min
